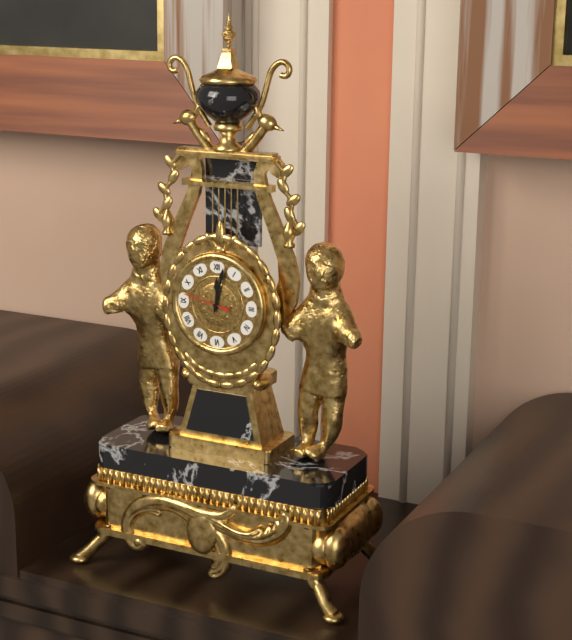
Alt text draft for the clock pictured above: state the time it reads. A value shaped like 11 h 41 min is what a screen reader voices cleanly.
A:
12 h 02 min
